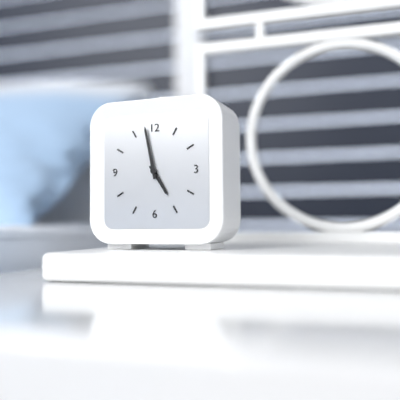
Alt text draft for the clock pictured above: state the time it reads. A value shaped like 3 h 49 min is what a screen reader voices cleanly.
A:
4 h 58 min
